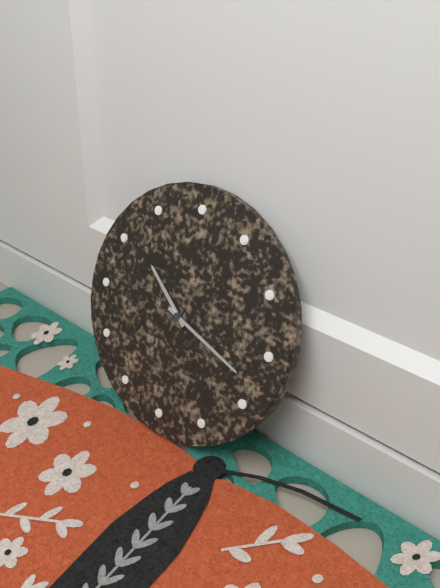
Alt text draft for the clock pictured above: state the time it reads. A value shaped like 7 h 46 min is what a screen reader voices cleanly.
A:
10 h 18 min
